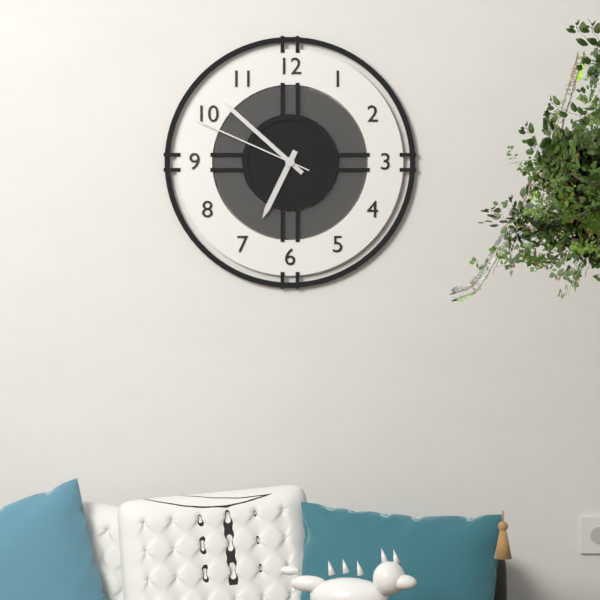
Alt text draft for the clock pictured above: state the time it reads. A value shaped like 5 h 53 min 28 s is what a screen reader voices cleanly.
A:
6 h 52 min 49 s
